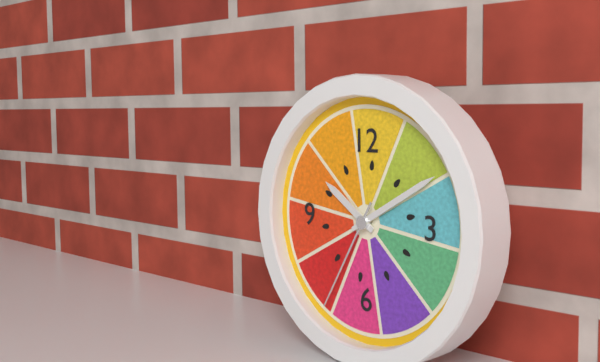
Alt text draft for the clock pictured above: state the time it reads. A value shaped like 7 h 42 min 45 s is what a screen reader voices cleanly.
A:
10 h 10 min 35 s
